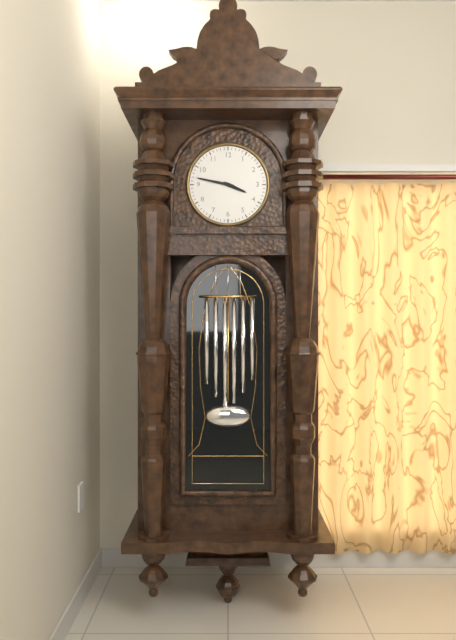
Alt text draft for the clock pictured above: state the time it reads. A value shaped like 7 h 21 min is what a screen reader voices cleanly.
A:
3 h 47 min
